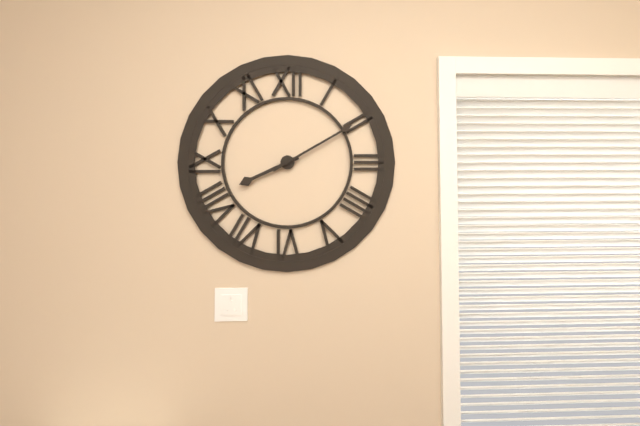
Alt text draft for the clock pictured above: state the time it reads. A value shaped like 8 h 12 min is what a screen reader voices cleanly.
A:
8 h 10 min
